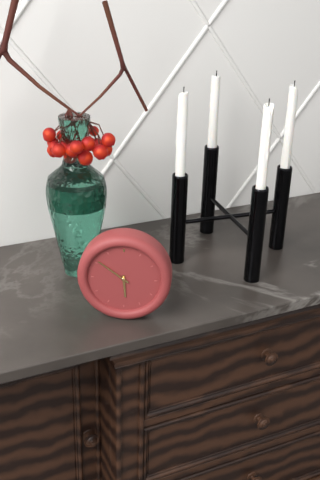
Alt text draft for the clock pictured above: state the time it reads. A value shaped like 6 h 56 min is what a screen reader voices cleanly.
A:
5 h 51 min
